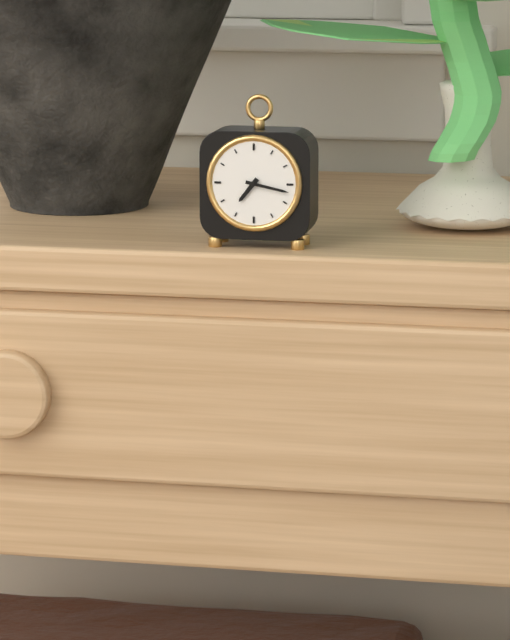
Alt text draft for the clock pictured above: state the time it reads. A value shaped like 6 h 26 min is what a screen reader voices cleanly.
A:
7 h 17 min
